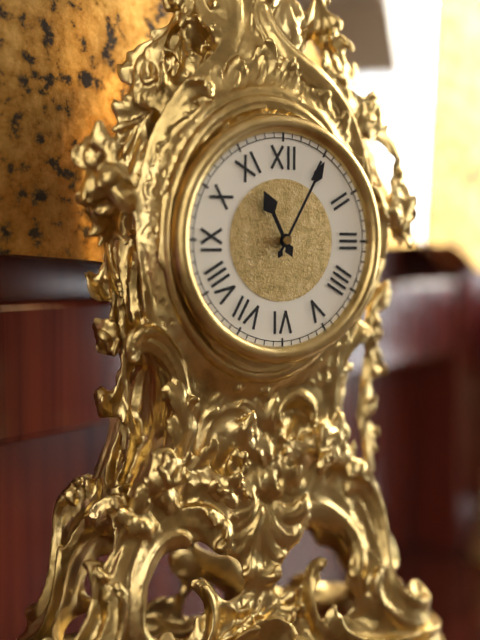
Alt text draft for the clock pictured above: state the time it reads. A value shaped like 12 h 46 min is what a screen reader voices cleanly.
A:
11 h 05 min
